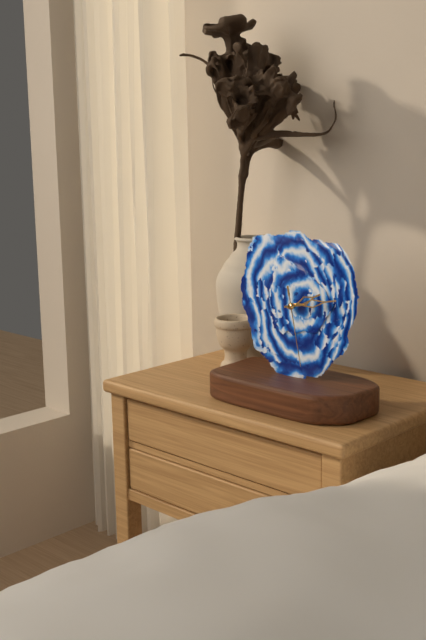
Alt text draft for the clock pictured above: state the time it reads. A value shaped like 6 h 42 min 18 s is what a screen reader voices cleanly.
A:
2 h 13 min 28 s
